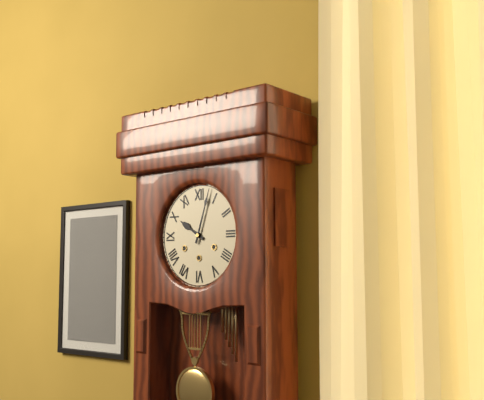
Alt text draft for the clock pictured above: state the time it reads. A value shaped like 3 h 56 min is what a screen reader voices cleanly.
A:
10 h 03 min
